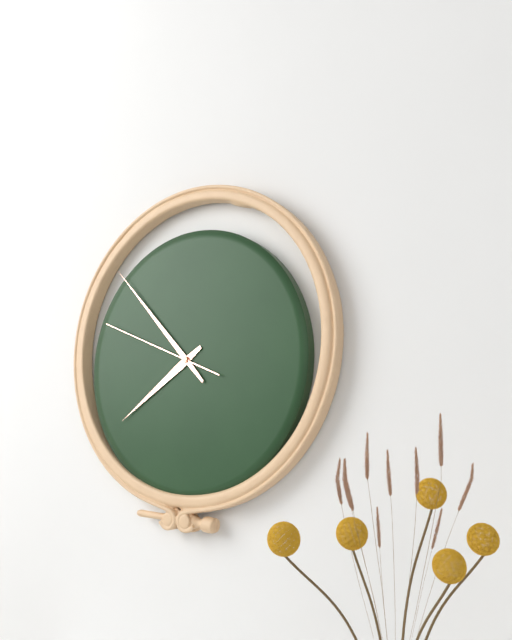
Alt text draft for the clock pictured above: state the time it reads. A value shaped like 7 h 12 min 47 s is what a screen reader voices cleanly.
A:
7 h 53 min 49 s
